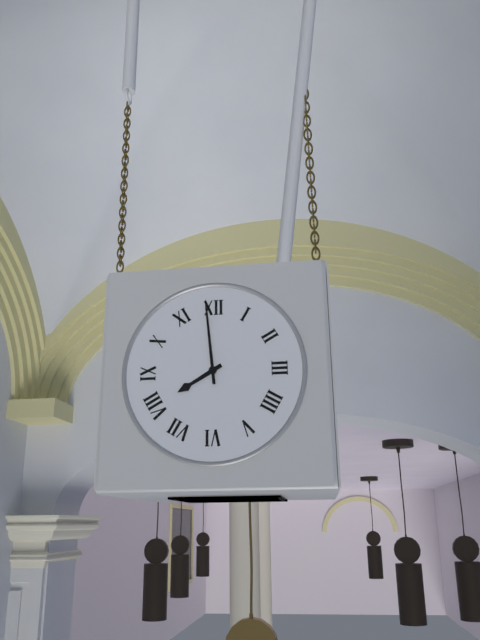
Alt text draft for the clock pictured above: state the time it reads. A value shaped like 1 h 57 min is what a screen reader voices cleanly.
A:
7 h 59 min
